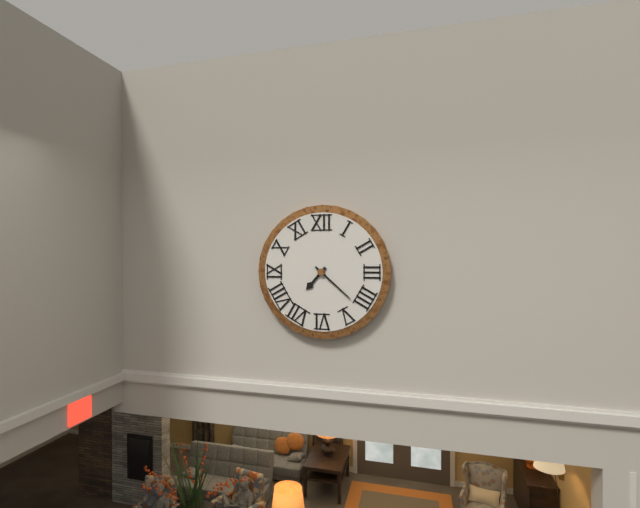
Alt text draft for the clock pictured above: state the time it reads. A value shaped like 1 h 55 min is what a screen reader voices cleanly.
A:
7 h 22 min
